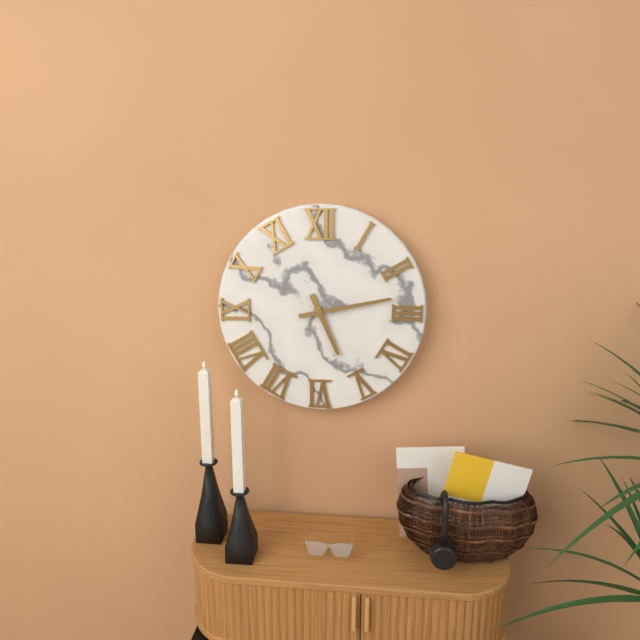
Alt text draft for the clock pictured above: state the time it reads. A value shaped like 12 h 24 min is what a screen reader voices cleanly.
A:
5 h 13 min
